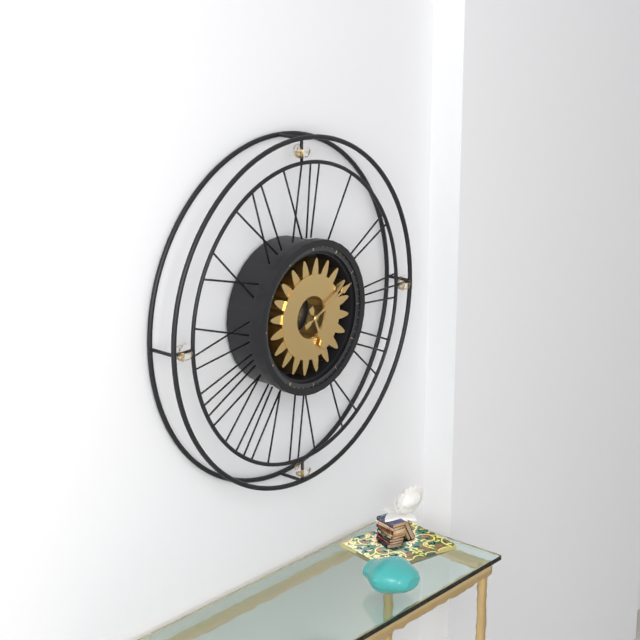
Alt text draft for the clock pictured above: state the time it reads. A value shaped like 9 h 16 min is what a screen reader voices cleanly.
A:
5 h 11 min
